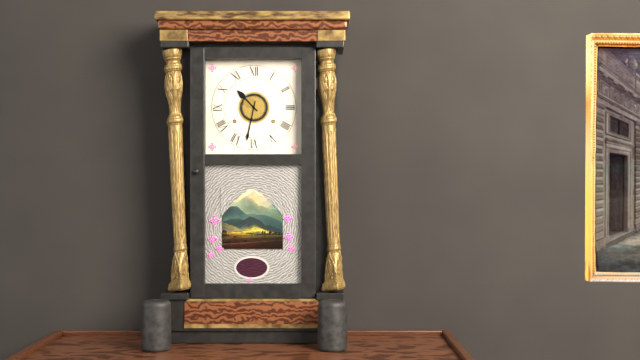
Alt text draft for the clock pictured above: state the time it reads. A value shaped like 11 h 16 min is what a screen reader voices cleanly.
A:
10 h 32 min
